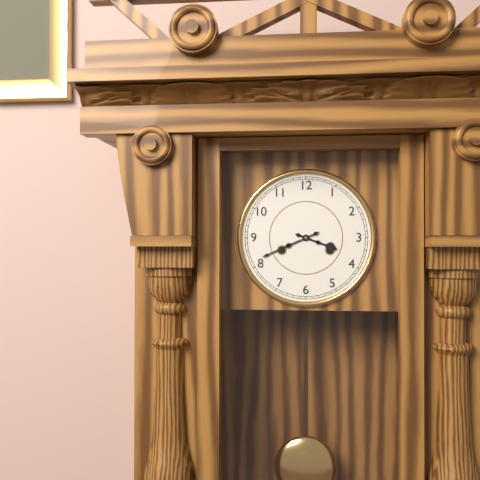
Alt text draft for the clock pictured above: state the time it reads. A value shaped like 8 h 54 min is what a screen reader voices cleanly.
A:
3 h 41 min
